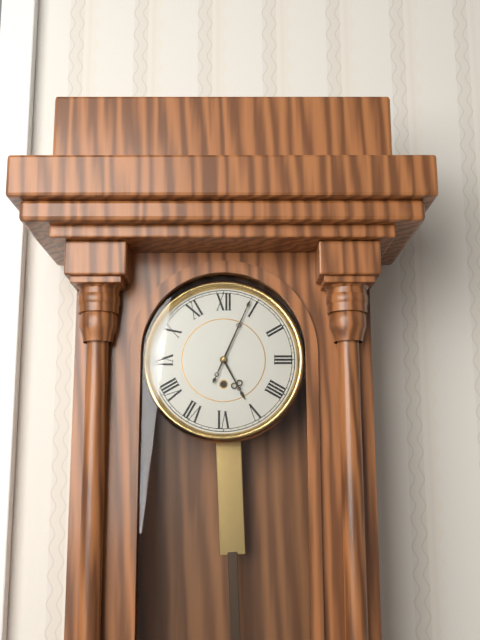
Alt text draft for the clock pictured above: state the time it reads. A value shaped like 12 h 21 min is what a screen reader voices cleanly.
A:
5 h 04 min
